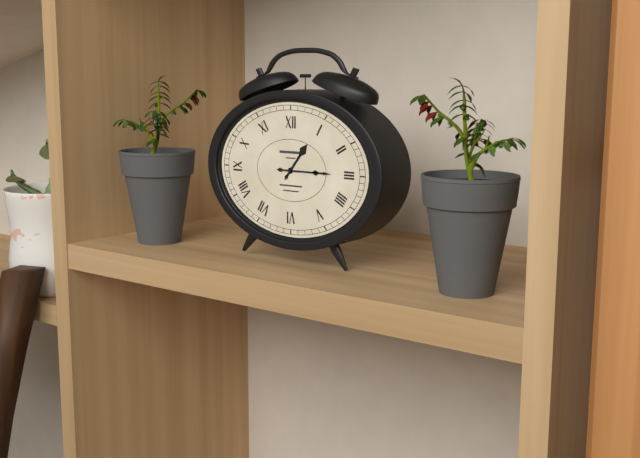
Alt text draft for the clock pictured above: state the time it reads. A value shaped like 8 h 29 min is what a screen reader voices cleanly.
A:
1 h 15 min
